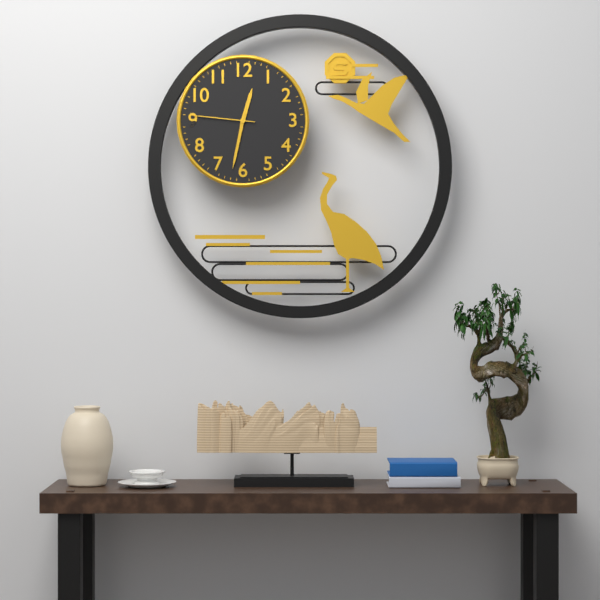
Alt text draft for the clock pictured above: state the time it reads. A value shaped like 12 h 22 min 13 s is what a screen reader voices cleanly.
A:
12 h 32 min 46 s
